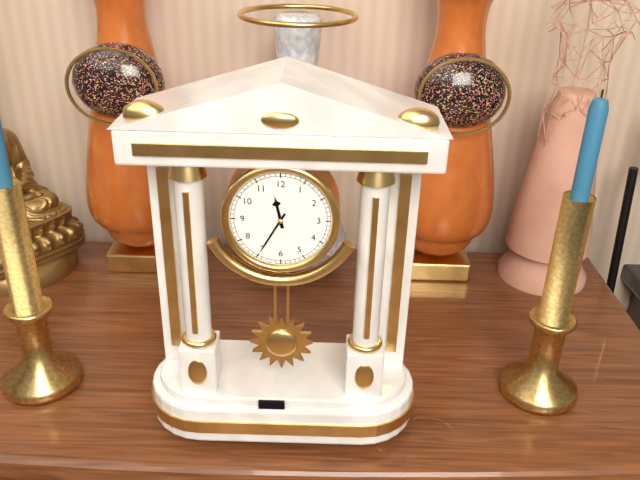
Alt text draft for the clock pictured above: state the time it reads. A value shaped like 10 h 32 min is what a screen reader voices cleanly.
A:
11 h 35 min
